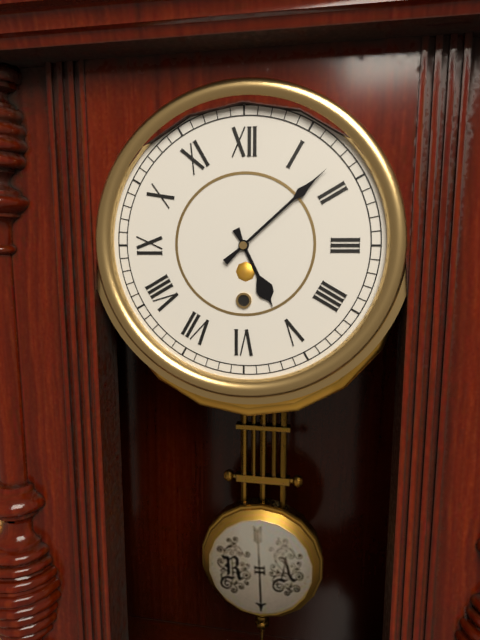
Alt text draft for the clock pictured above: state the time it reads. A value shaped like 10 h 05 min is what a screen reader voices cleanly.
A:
5 h 08 min
